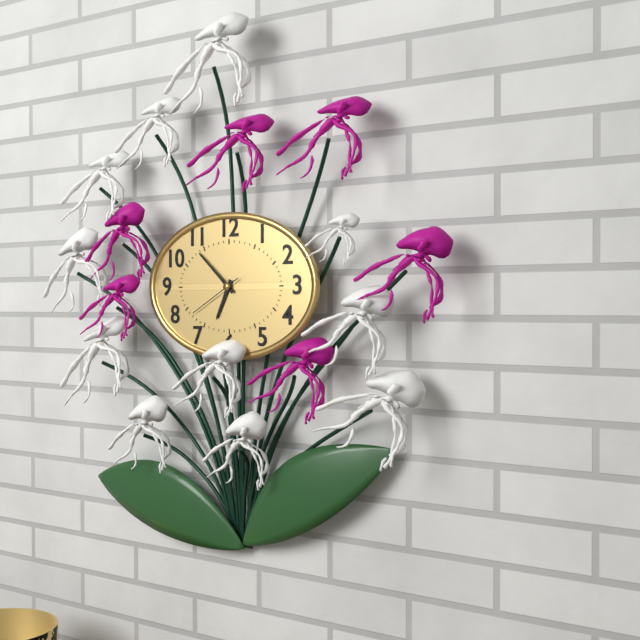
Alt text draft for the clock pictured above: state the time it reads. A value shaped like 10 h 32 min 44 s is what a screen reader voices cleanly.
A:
6 h 52 min 40 s
